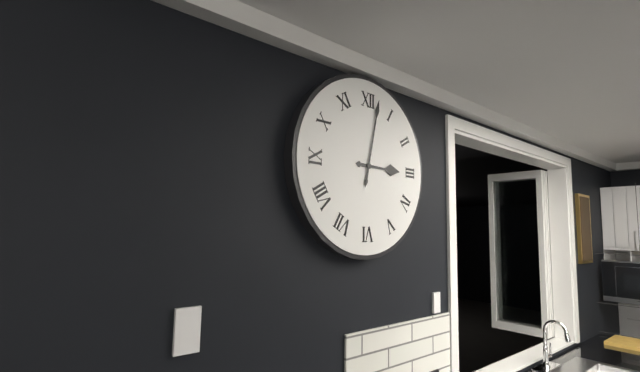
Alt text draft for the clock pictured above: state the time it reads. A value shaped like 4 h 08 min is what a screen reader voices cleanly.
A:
3 h 02 min
